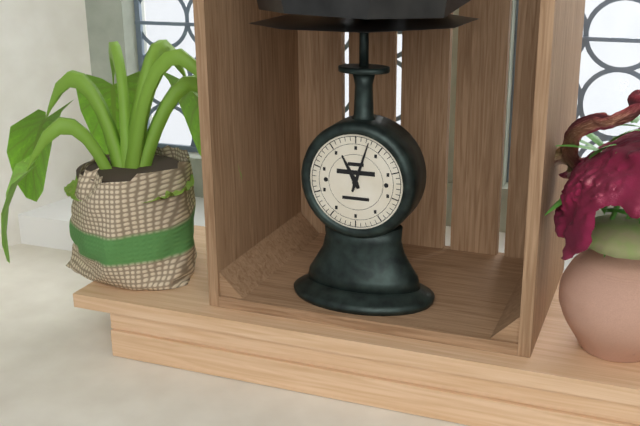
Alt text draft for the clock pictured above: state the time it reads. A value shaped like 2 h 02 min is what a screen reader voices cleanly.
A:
11 h 03 min
